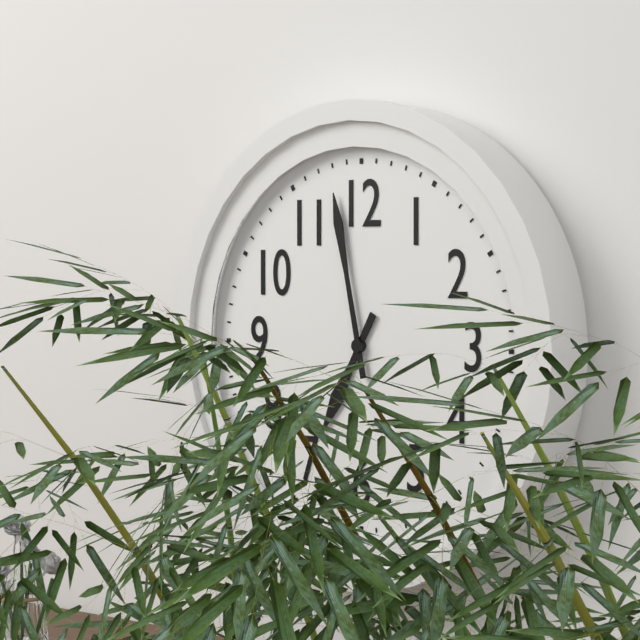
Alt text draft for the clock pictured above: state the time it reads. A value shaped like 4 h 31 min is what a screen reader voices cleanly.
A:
6 h 58 min
